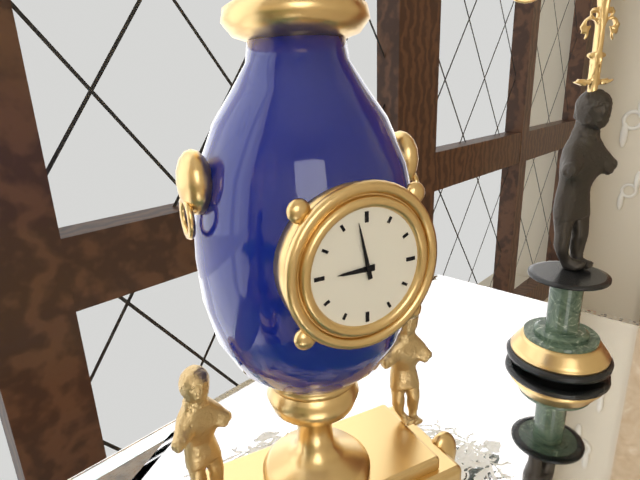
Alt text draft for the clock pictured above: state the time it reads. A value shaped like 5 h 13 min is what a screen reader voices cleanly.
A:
8 h 58 min
